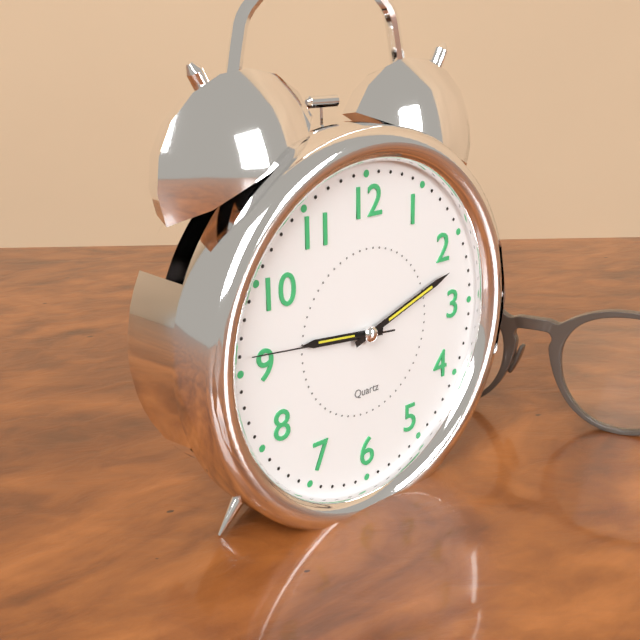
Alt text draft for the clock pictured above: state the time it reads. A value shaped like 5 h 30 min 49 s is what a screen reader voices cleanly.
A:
9 h 12 min 46 s
